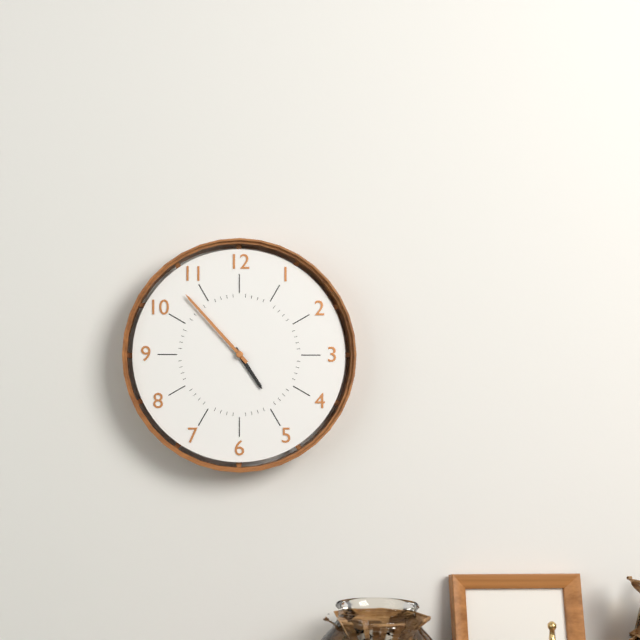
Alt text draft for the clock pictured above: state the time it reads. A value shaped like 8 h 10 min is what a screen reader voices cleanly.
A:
4 h 53 min
